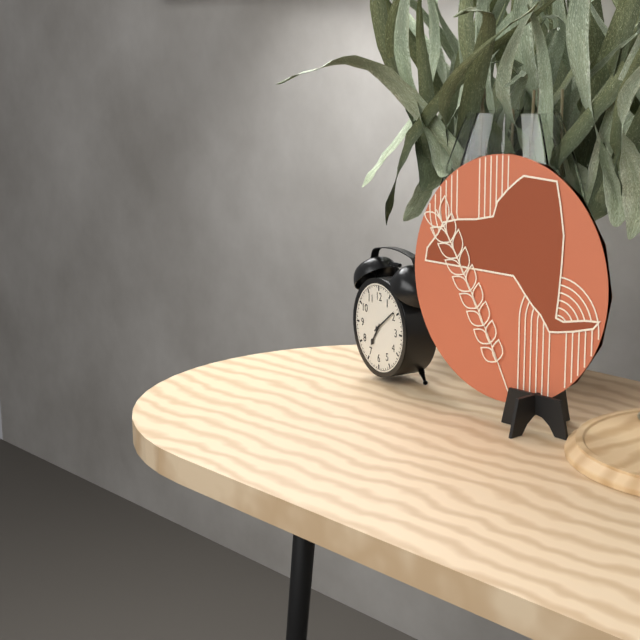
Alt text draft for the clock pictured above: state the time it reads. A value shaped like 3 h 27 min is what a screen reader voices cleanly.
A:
7 h 09 min
